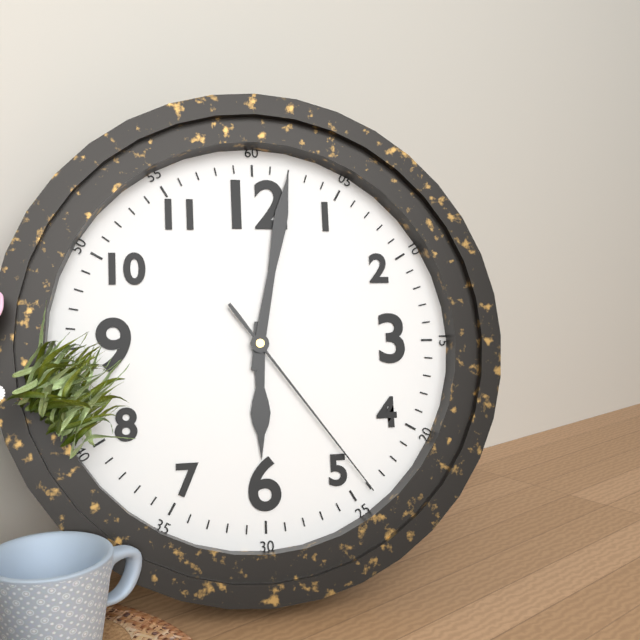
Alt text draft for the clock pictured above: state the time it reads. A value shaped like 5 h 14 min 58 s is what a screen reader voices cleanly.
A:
6 h 02 min 24 s
